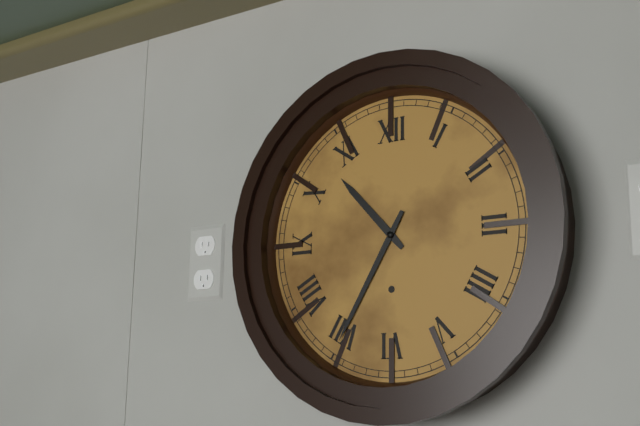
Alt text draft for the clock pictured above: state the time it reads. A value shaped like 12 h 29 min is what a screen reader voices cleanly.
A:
10 h 35 min
